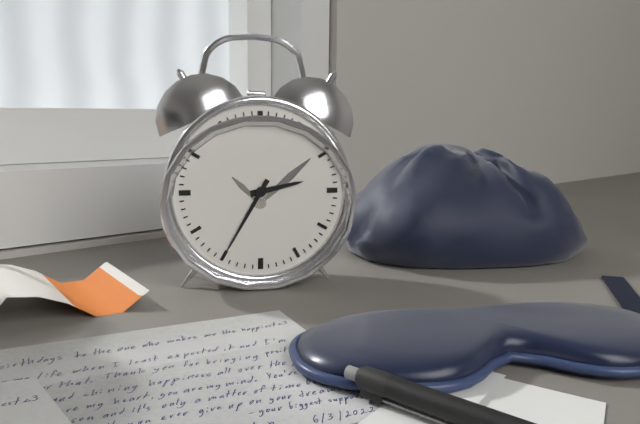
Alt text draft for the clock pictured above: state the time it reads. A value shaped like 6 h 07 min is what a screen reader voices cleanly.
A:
2 h 35 min
